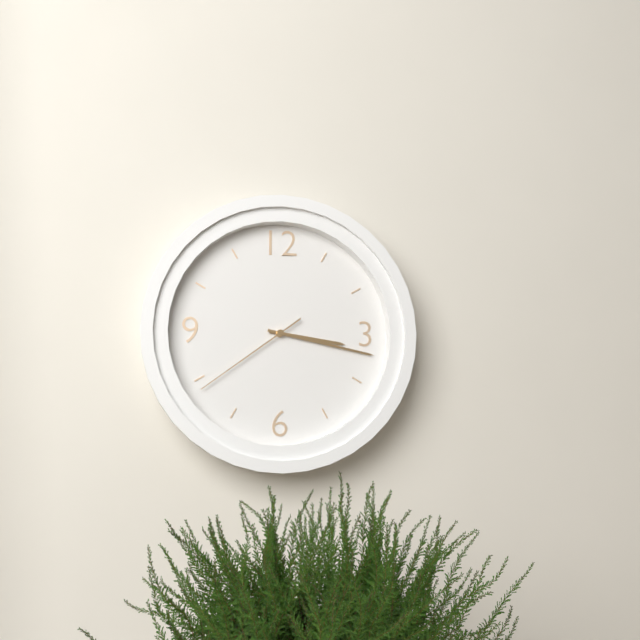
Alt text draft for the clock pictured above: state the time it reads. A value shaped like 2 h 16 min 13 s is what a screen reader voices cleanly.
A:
3 h 17 min 39 s
